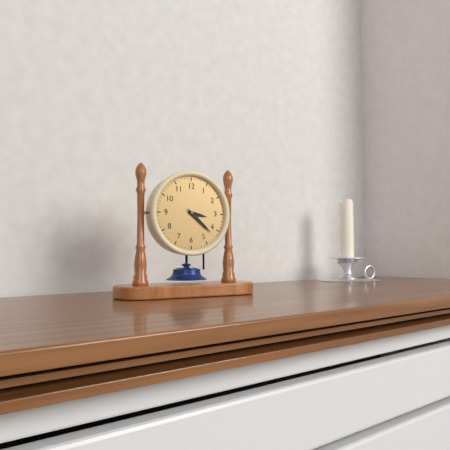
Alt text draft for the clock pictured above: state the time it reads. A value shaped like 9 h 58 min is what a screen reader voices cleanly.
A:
3 h 22 min
